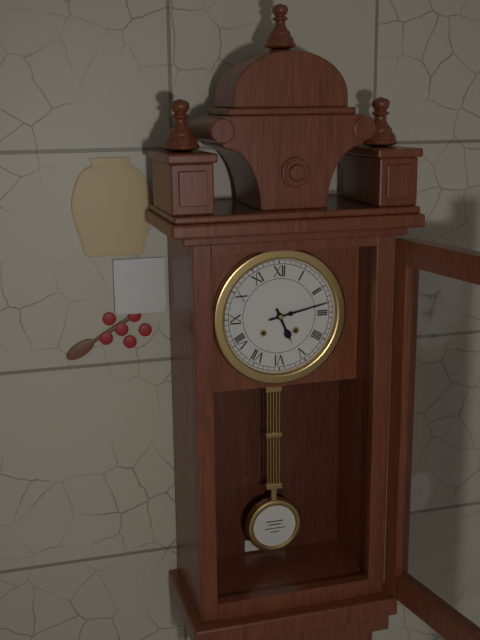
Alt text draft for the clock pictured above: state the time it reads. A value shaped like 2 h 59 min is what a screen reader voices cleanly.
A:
5 h 13 min
